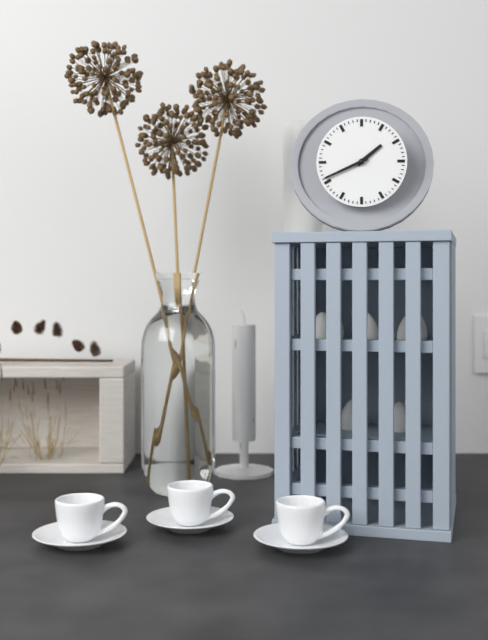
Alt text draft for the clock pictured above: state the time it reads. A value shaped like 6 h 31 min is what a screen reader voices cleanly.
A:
1 h 41 min
